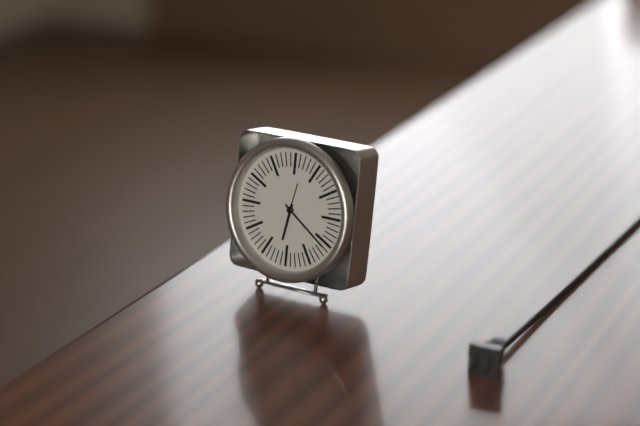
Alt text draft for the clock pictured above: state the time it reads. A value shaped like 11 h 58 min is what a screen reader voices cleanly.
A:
6 h 21 min
